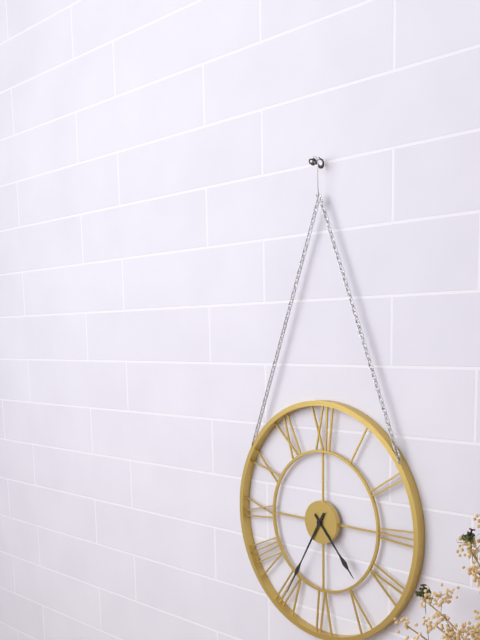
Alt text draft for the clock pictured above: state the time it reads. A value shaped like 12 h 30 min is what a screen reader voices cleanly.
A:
4 h 35 min
